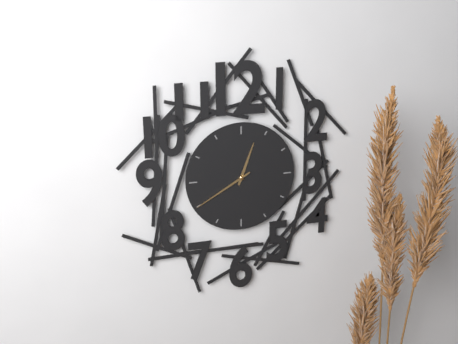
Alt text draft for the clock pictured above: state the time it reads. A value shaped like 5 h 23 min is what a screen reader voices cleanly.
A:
12 h 40 min
